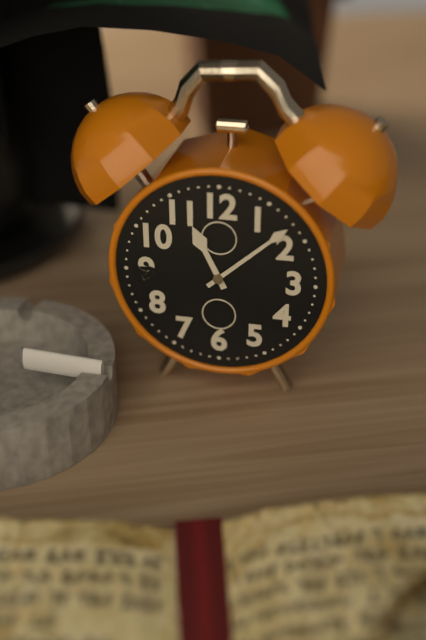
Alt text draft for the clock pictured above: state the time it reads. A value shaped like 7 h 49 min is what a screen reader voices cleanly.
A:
11 h 08 min
